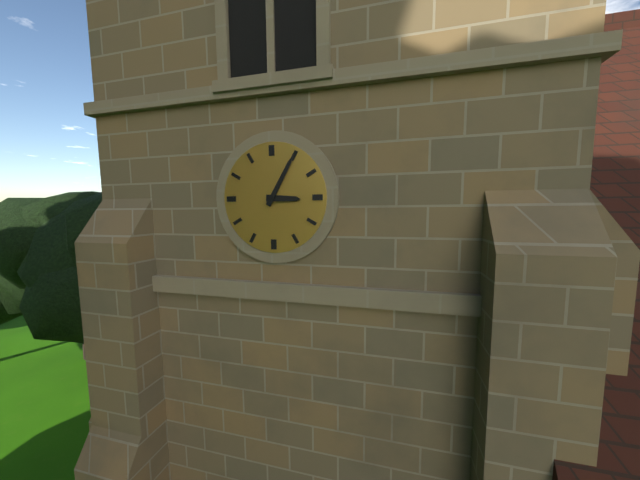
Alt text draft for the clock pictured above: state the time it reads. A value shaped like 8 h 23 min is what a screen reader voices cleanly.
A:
3 h 05 min
